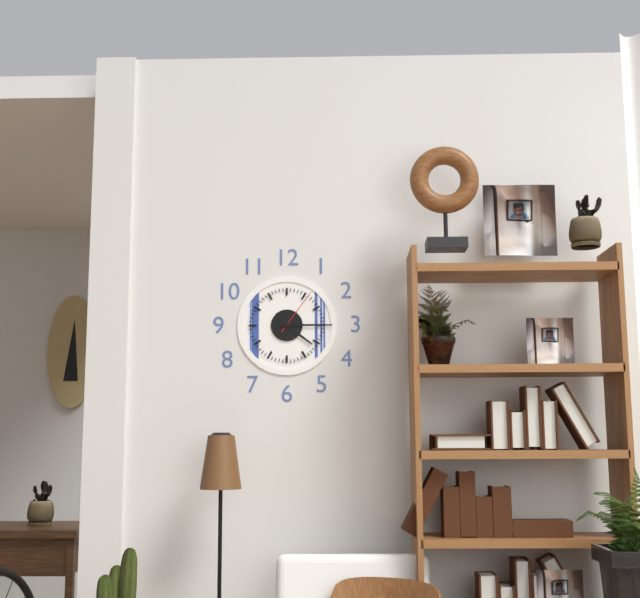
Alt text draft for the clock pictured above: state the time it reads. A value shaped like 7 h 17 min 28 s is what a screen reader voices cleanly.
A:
4 h 15 min 06 s
